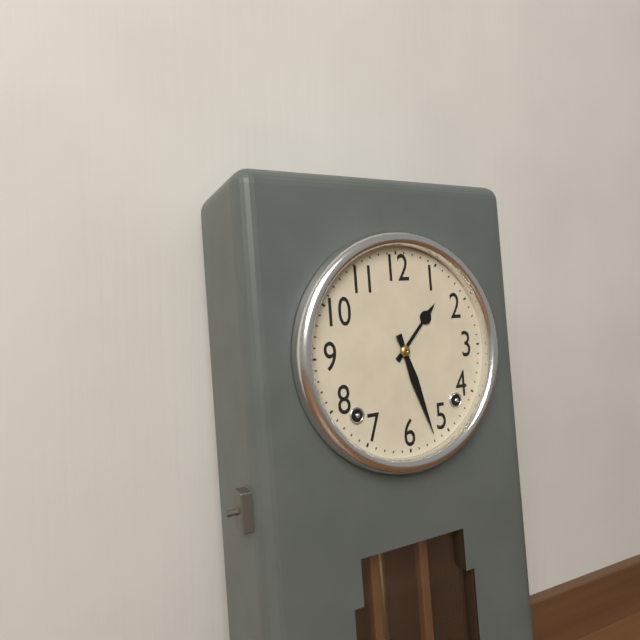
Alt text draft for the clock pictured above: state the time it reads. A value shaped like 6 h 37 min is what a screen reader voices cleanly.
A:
1 h 27 min
